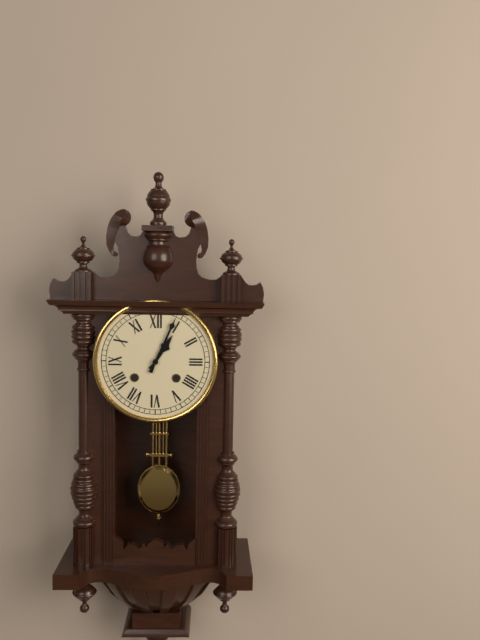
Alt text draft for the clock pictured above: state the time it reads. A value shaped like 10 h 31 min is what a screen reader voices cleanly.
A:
1 h 04 min
